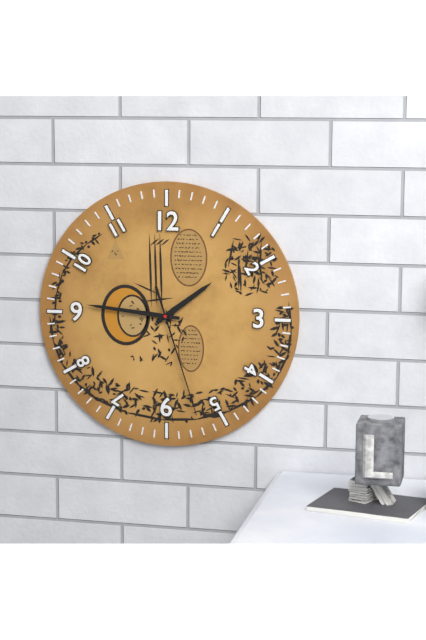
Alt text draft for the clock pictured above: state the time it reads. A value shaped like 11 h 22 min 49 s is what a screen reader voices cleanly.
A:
1 h 46 min 27 s
